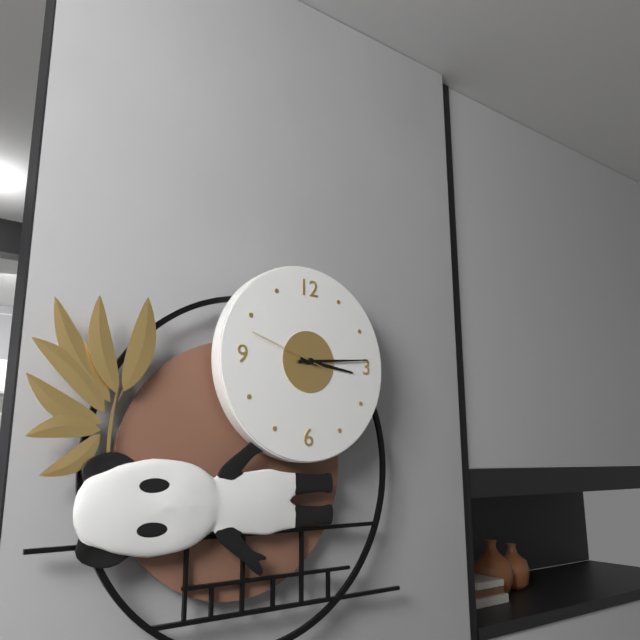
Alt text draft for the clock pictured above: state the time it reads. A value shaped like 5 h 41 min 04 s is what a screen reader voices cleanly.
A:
3 h 14 min 48 s
